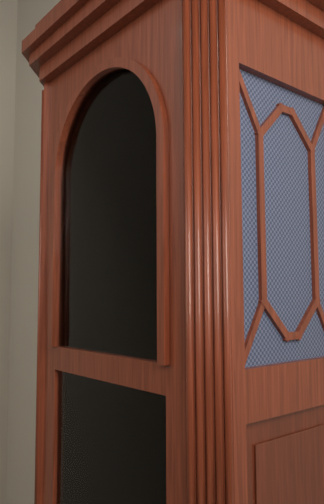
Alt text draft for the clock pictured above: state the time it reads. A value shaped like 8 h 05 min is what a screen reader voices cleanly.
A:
9 h 31 min
